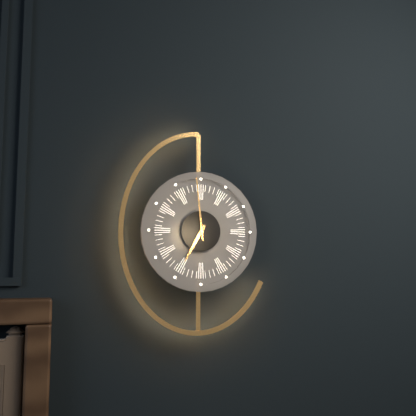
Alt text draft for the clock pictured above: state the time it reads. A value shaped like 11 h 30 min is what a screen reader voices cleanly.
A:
6 h 59 min
